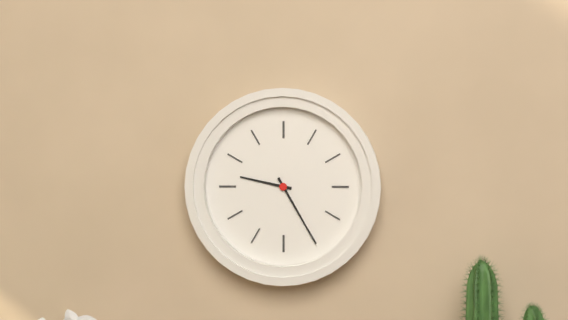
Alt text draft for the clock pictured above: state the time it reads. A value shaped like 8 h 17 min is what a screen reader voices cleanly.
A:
9 h 25 min
